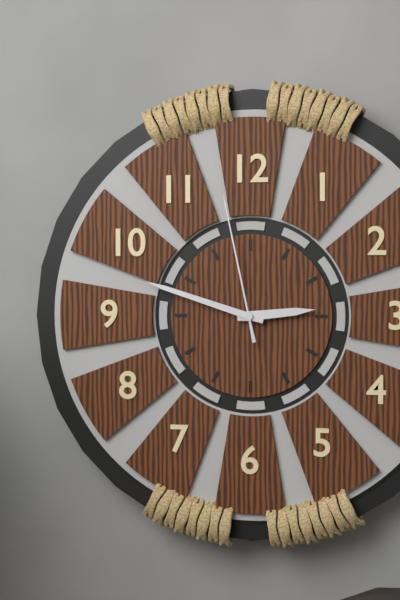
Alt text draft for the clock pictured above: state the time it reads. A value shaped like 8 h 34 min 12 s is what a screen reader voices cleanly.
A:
2 h 48 min 58 s
